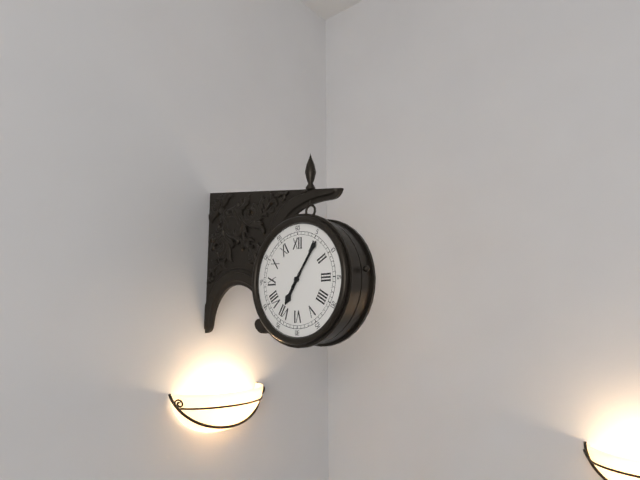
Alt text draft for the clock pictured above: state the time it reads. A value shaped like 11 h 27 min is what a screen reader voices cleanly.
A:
7 h 06 min
